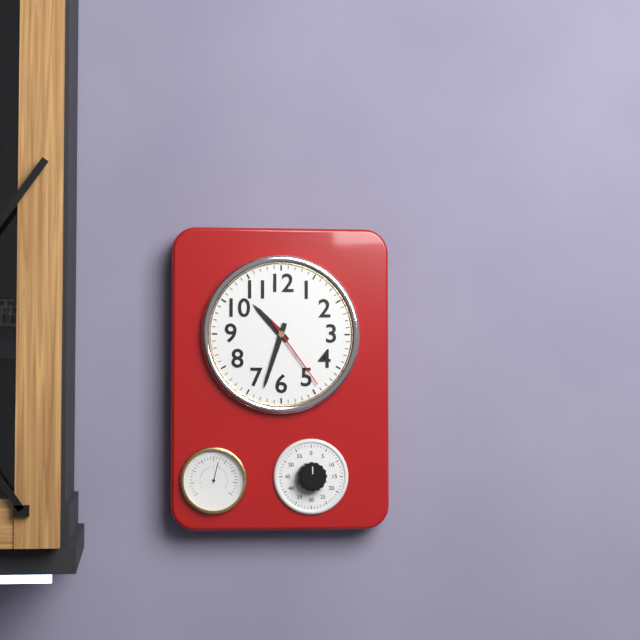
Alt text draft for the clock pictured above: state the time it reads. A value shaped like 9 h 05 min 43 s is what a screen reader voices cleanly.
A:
10 h 33 min 24 s
